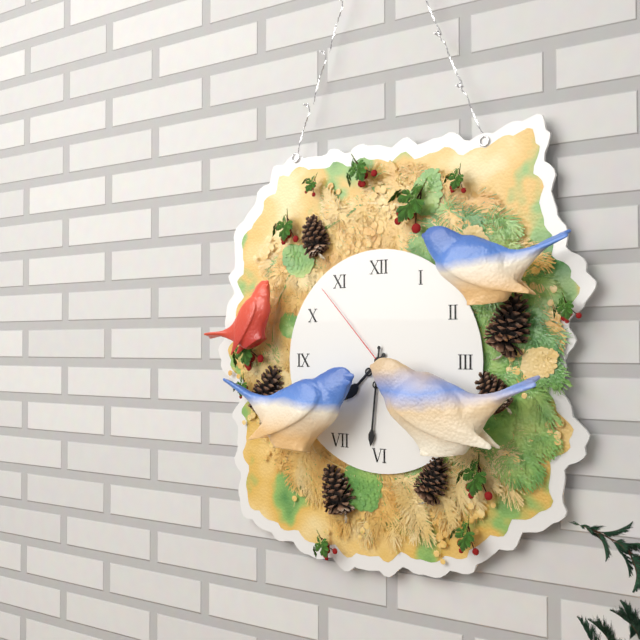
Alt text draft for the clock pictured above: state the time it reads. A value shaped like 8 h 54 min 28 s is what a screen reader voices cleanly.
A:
7 h 31 min 53 s
